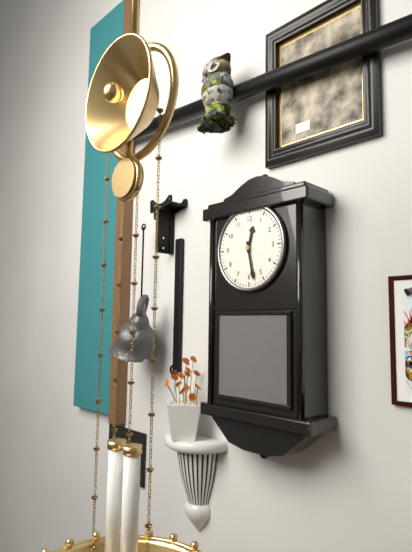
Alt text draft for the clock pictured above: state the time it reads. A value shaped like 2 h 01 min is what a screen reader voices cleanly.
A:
12 h 28 min
